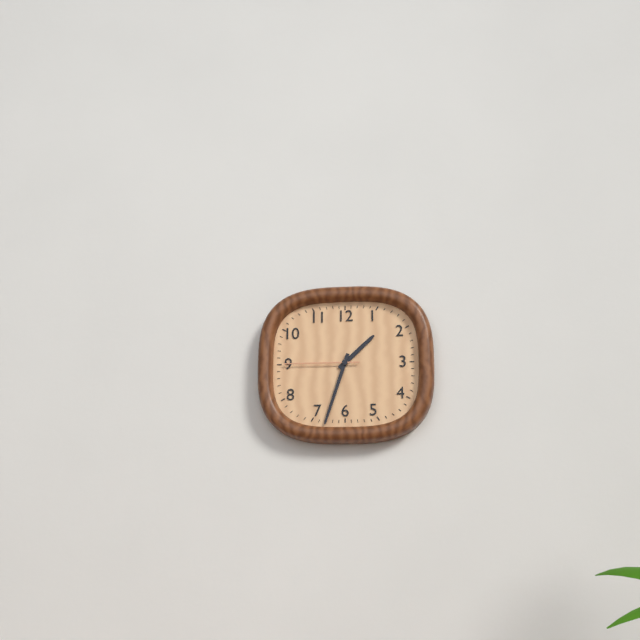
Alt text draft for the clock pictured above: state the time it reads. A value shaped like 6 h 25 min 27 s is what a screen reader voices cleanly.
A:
1 h 33 min 45 s
